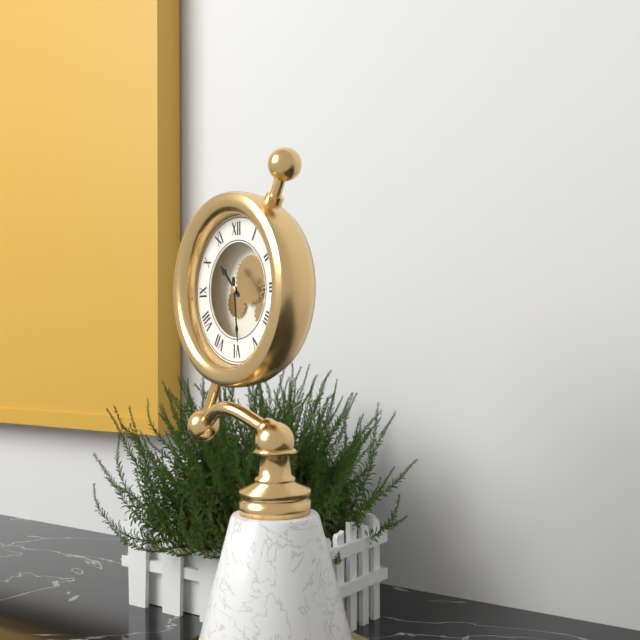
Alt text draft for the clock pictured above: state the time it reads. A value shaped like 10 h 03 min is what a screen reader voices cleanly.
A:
10 h 29 min
